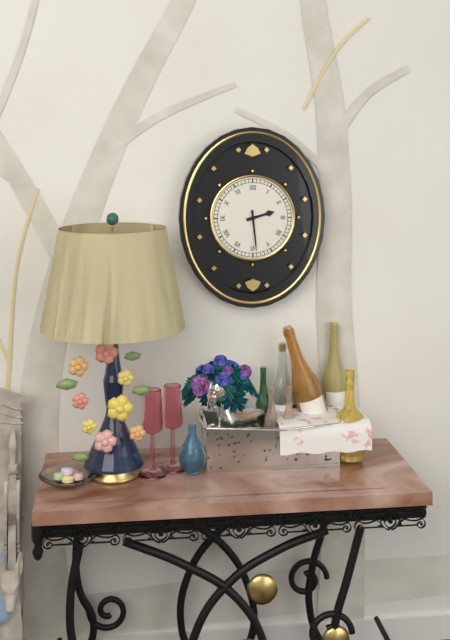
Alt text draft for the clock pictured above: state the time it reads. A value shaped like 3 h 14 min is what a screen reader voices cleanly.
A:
2 h 29 min
